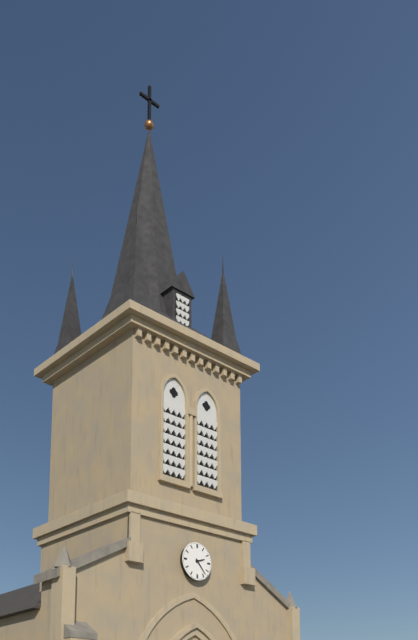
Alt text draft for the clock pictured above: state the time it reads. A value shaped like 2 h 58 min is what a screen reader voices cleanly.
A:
2 h 23 min
